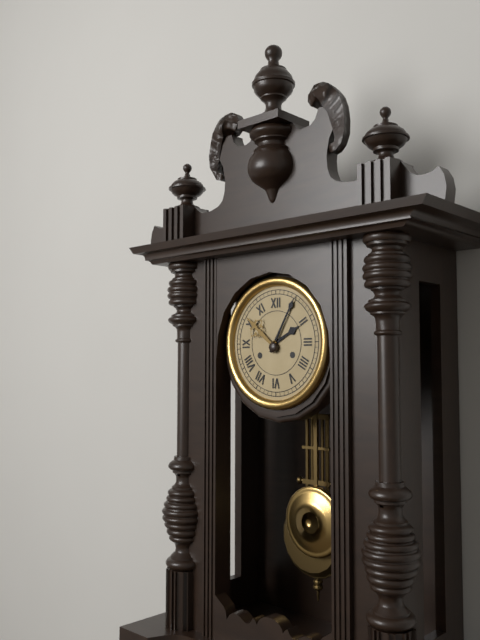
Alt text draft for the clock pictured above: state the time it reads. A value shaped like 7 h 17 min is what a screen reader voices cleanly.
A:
2 h 05 min
